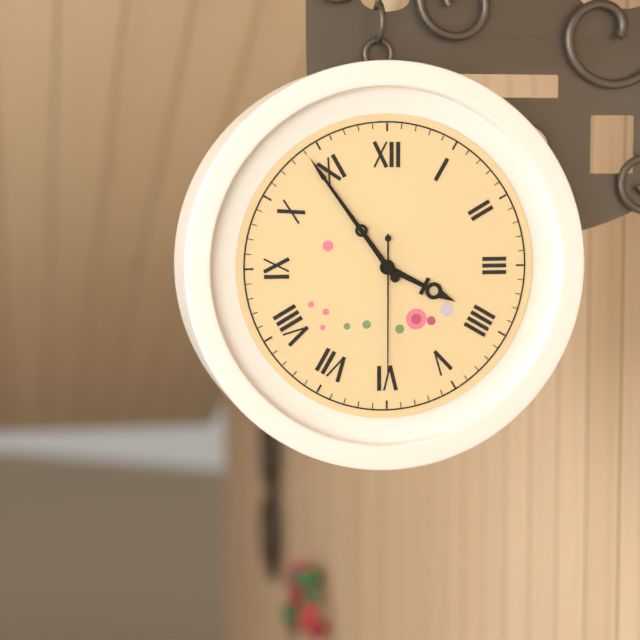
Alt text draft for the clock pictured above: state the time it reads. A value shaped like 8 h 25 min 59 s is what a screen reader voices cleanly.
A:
3 h 54 min 30 s
